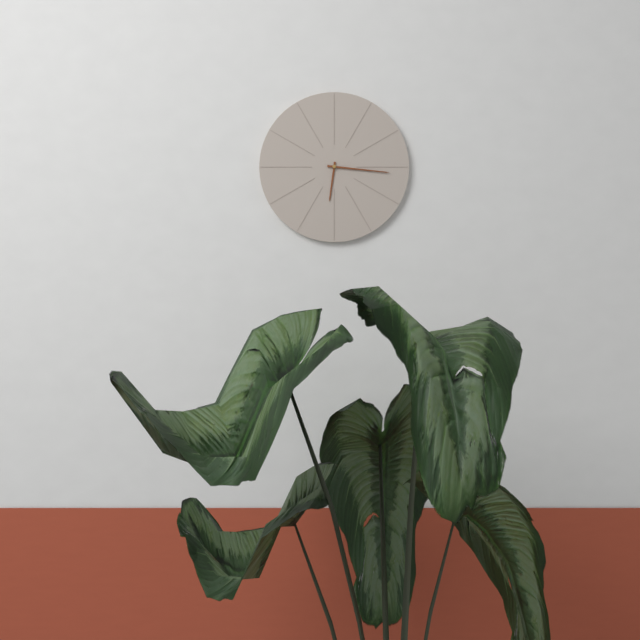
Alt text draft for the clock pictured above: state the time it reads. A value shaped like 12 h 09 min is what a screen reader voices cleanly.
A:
6 h 16 min
